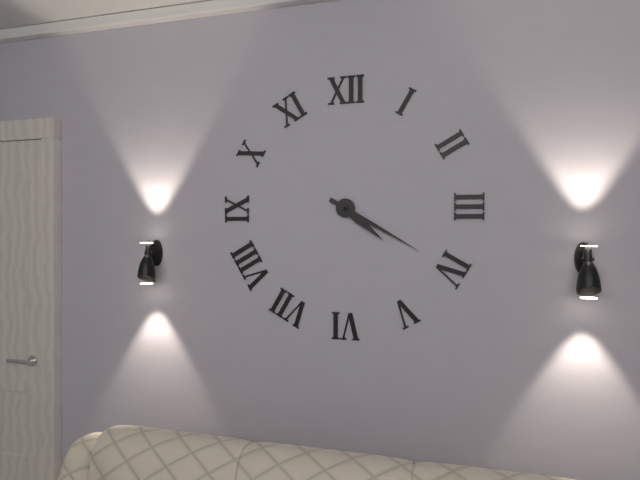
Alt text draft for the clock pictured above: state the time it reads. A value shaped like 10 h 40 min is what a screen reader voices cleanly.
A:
4 h 20 min
